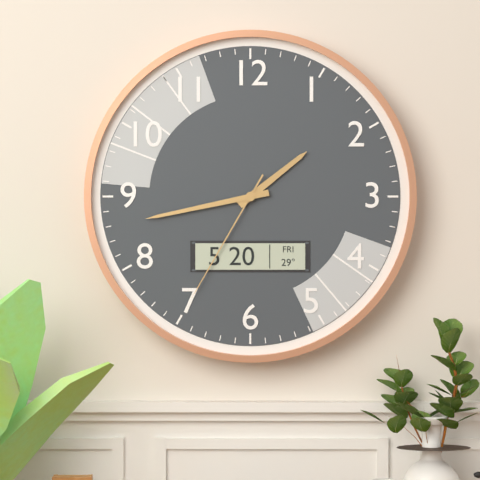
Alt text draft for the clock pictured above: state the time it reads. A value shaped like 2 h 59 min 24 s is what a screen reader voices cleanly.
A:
1 h 43 min 35 s
